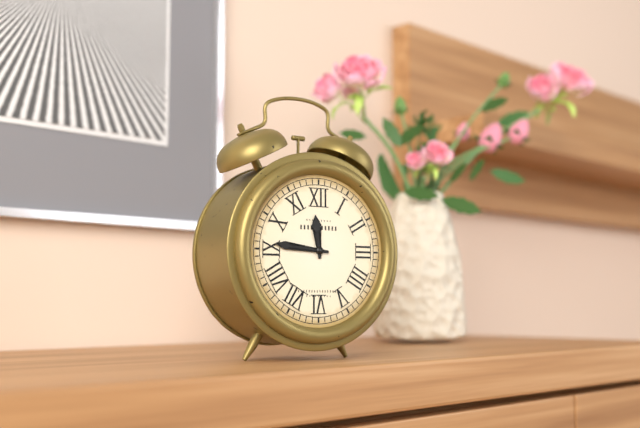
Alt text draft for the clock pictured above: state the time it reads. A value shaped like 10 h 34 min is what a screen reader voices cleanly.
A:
11 h 46 min
